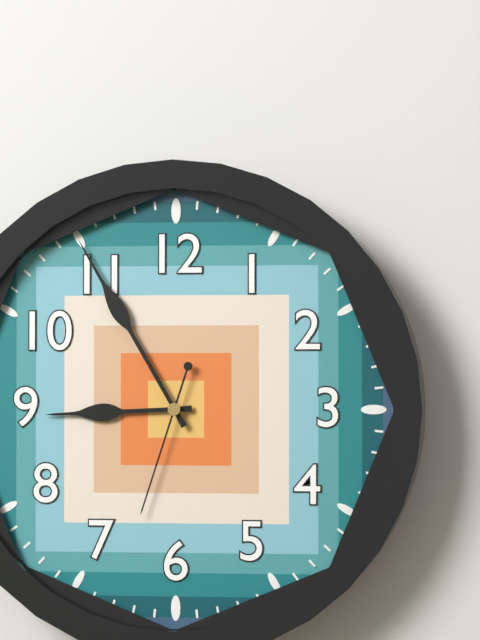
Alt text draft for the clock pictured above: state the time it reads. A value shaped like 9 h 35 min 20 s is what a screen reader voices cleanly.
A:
8 h 55 min 33 s
